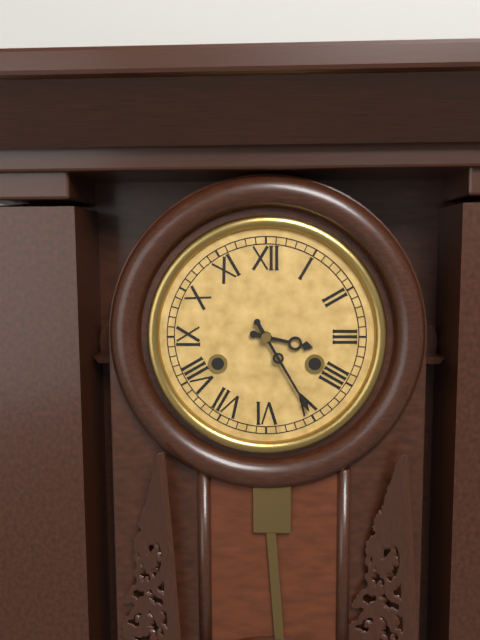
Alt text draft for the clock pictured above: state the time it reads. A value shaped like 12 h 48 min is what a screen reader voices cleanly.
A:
3 h 25 min
